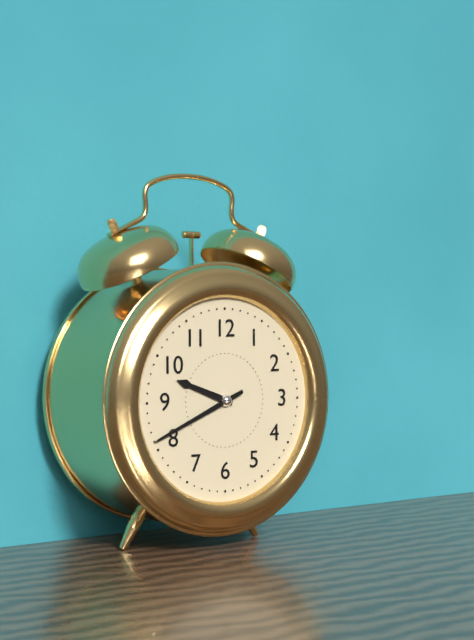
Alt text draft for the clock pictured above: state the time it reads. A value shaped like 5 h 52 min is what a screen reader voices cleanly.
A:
9 h 41 min
